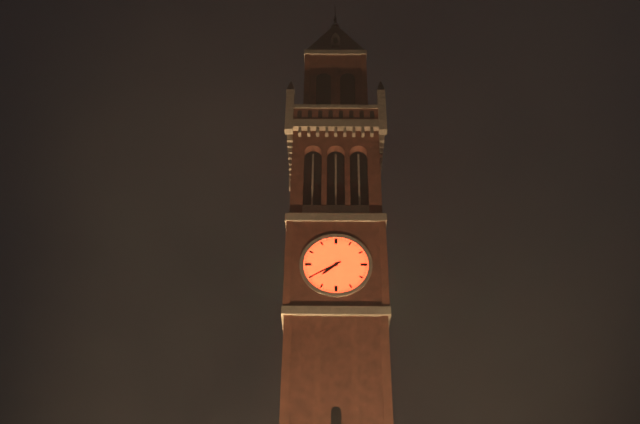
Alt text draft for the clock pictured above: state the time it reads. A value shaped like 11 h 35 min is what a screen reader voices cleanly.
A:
7 h 40 min
